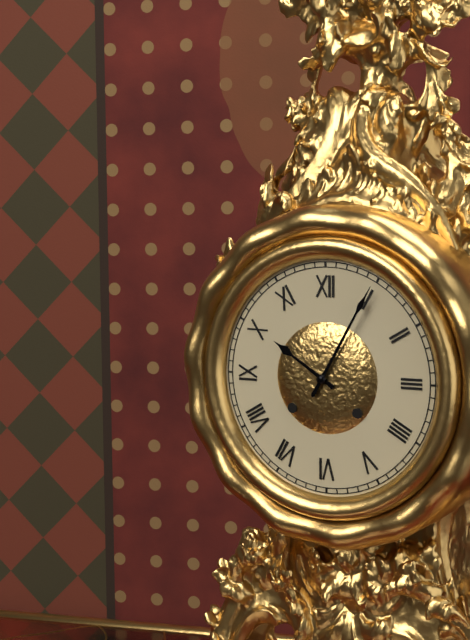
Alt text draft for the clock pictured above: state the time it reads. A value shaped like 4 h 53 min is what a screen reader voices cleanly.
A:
10 h 05 min
